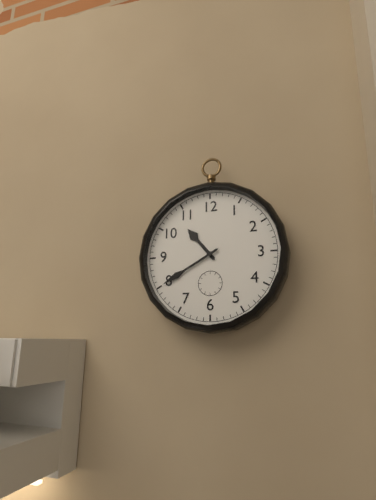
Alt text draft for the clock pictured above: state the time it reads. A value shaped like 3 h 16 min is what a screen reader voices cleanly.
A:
10 h 40 min
